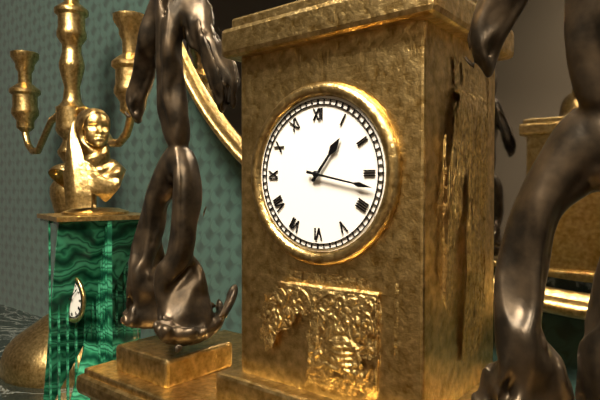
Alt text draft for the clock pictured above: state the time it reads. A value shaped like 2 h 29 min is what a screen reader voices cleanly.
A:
1 h 17 min
